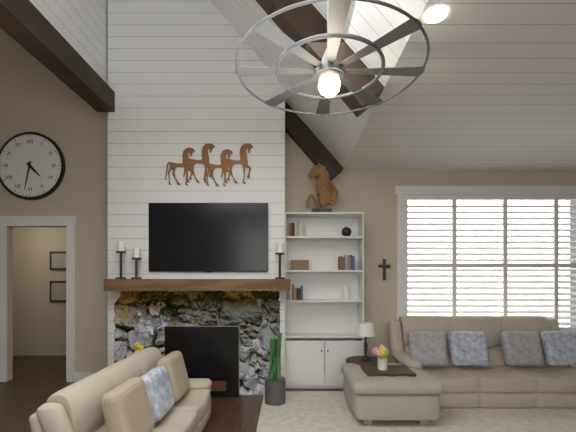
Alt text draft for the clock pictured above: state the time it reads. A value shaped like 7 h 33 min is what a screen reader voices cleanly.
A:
4 h 32 min
